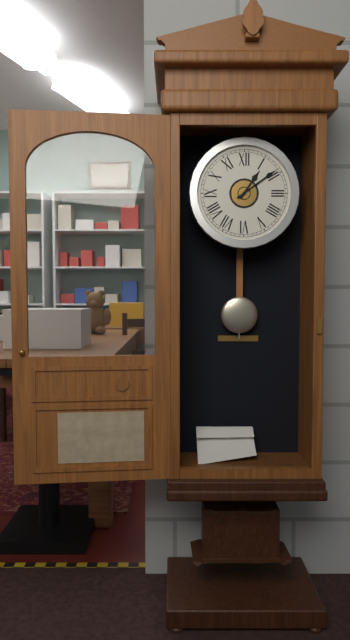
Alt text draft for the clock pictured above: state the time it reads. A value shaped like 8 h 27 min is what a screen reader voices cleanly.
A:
1 h 09 min
